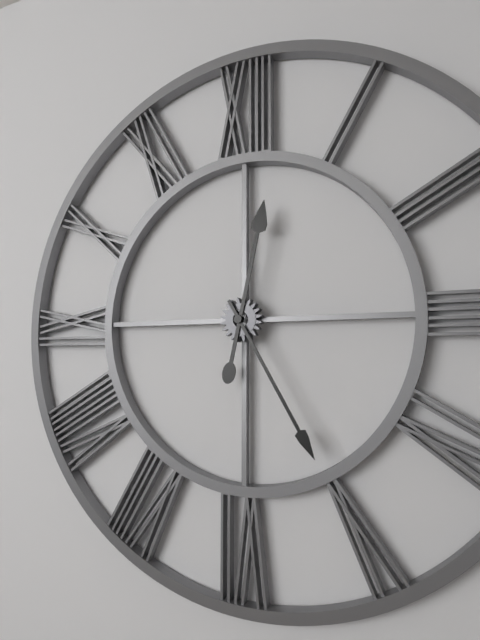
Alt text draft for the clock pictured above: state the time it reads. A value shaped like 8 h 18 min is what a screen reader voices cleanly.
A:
12 h 25 min
